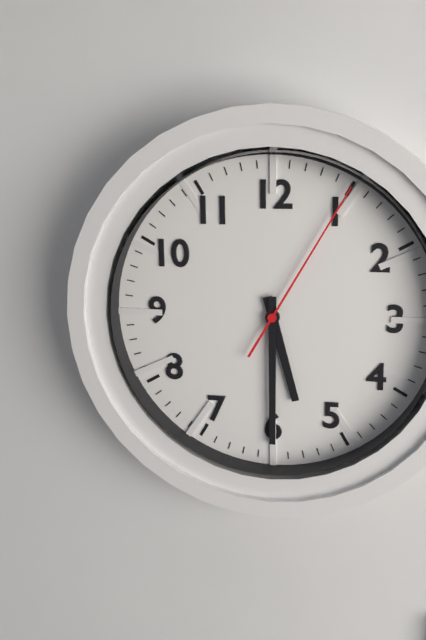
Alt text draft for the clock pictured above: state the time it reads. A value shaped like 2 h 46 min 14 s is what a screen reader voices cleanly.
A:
5 h 30 min 05 s
